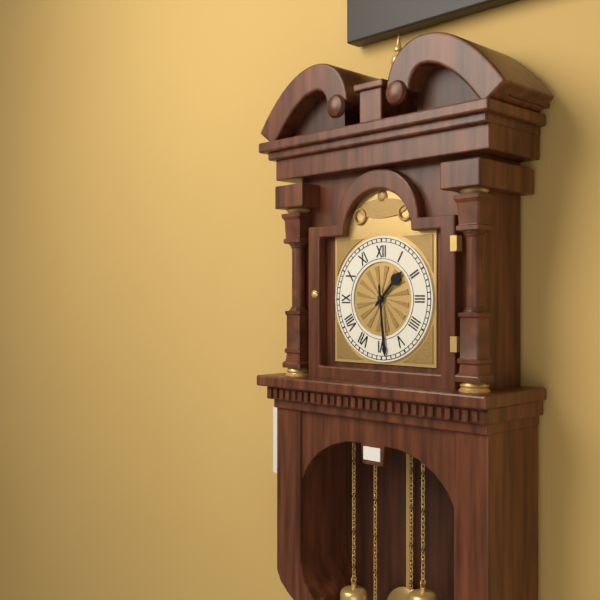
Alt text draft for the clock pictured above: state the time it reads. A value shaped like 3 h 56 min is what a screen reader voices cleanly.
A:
1 h 29 min
